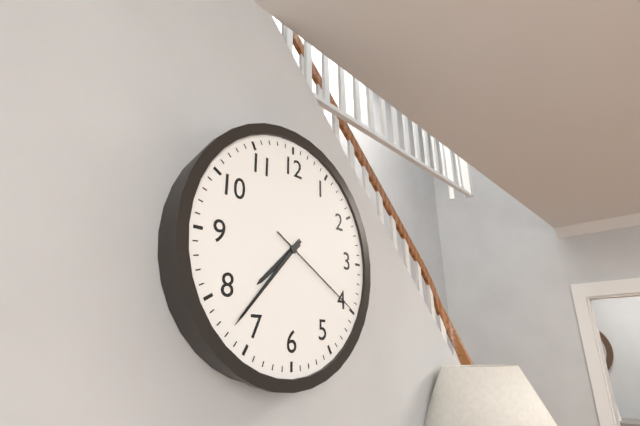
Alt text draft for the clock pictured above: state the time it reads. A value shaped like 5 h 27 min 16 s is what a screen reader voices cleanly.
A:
7 h 37 min 20 s
